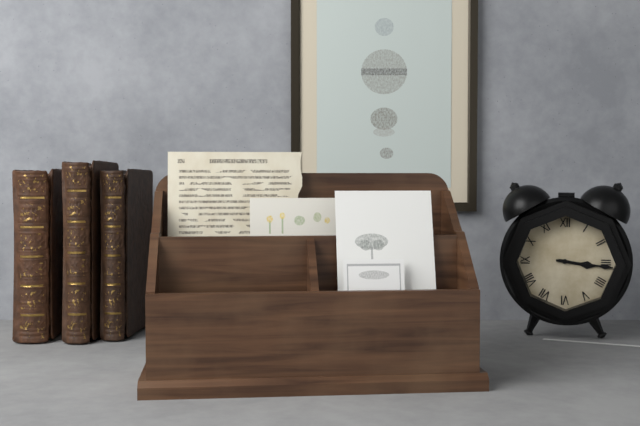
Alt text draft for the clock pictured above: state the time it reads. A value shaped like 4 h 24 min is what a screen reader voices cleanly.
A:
3 h 16 min
